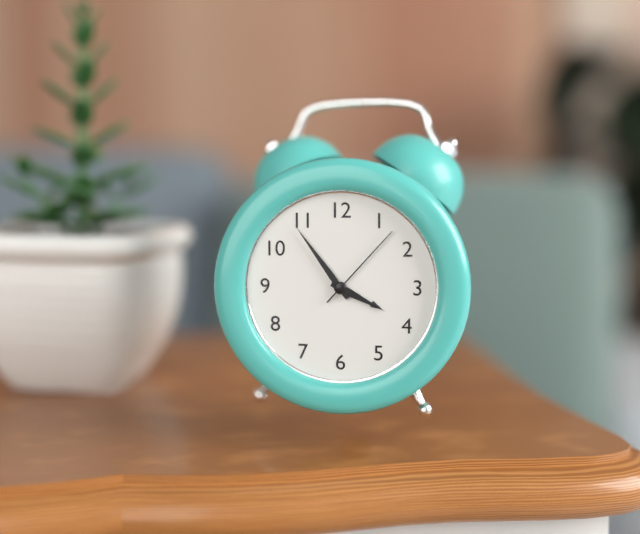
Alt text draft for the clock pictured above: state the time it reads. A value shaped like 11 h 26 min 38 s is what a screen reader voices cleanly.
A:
3 h 54 min 07 s
